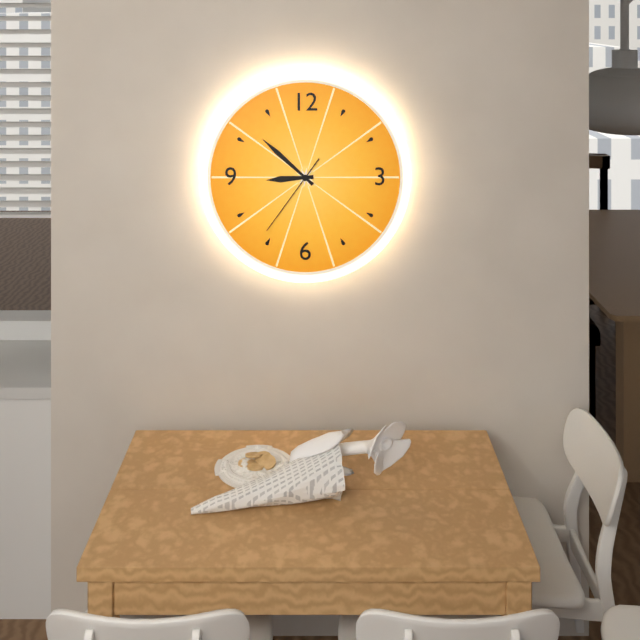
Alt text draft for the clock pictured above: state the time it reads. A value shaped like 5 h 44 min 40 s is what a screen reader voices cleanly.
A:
8 h 52 min 36 s
